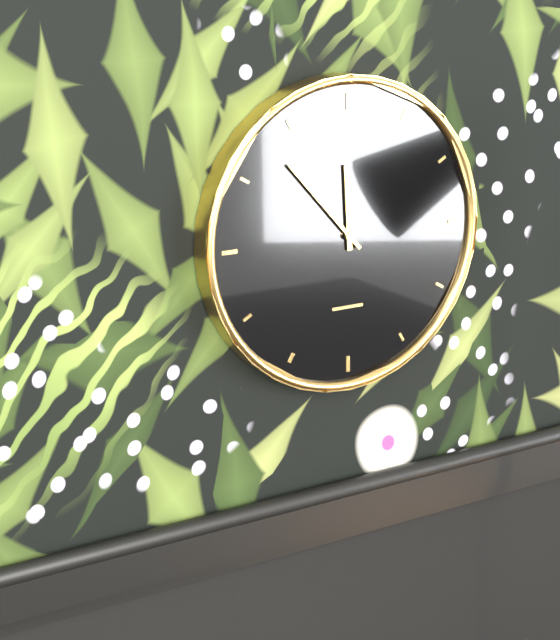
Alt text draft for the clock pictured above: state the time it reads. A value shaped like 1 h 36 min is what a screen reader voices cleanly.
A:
11 h 53 min
